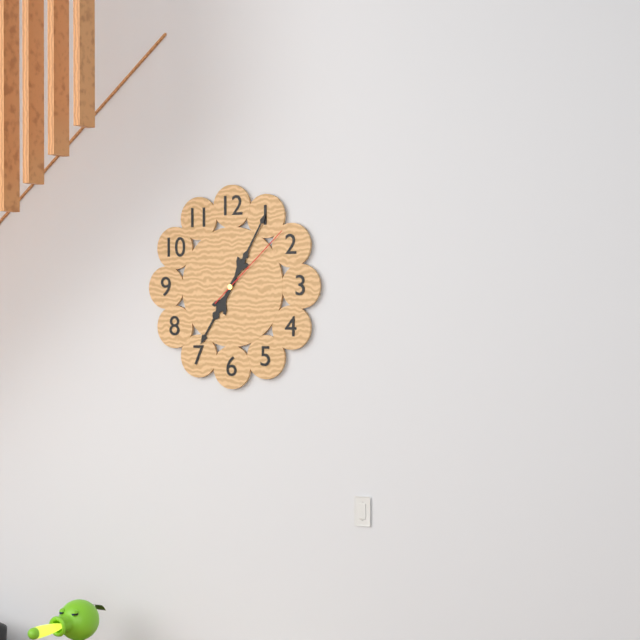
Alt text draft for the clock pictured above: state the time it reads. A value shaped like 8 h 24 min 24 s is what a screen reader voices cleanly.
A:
7 h 05 min 08 s
